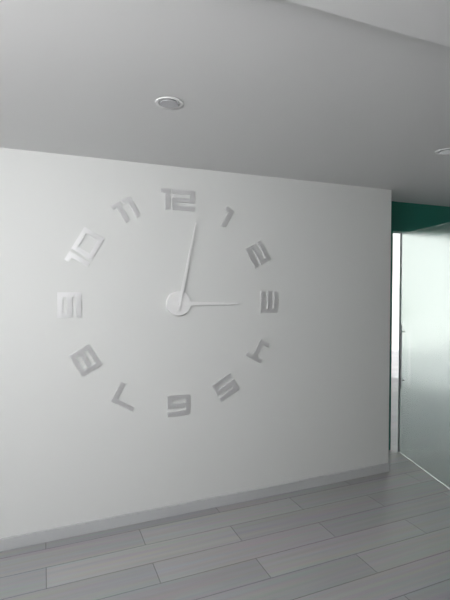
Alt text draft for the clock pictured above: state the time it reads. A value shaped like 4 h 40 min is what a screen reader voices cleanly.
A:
3 h 02 min
